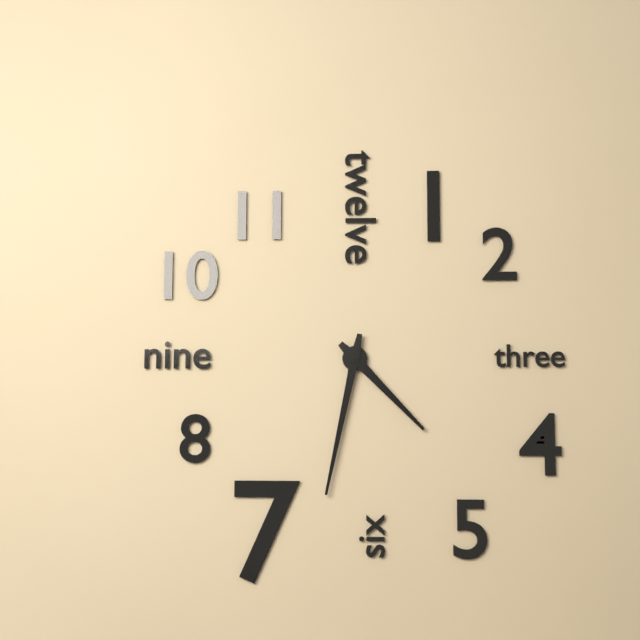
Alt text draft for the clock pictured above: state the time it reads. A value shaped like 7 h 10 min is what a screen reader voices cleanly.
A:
4 h 32 min
